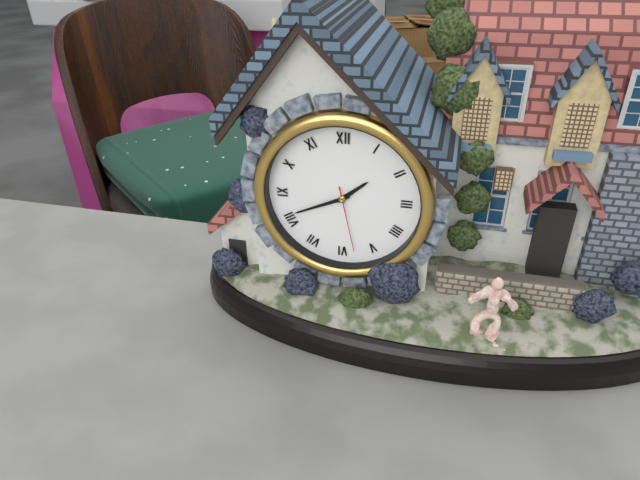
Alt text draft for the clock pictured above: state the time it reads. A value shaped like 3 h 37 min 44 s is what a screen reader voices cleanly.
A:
1 h 41 min 28 s
